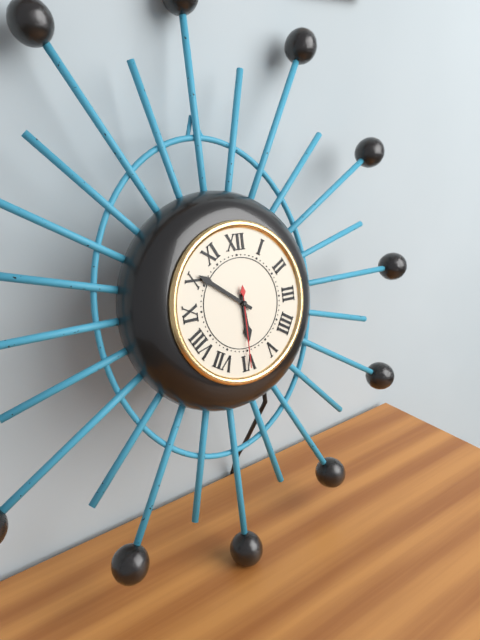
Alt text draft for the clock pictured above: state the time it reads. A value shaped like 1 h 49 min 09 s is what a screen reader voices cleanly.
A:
5 h 51 min 30 s
